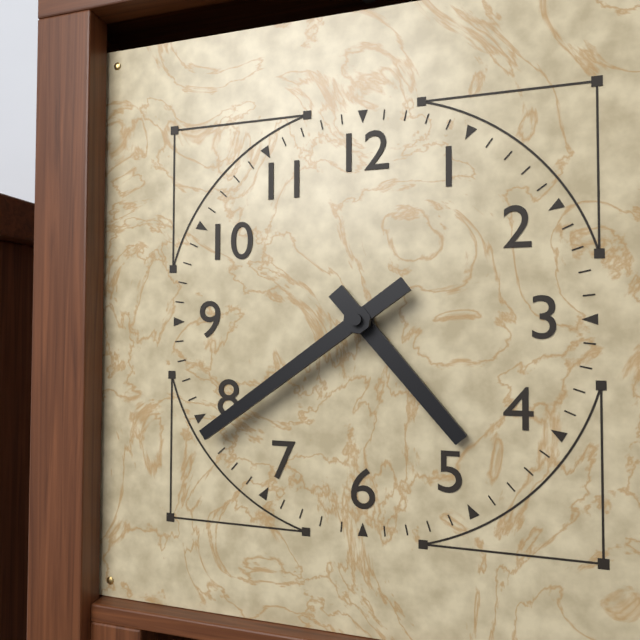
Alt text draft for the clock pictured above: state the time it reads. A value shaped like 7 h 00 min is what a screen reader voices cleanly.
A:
4 h 39 min
